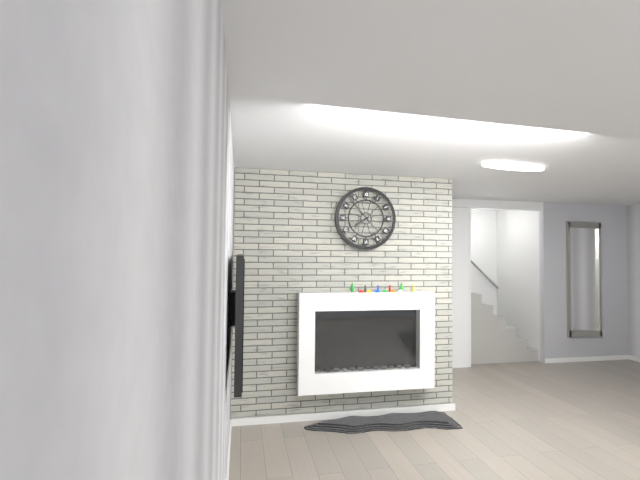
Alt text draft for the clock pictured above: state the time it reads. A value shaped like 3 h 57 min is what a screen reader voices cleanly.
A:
7 h 53 min
